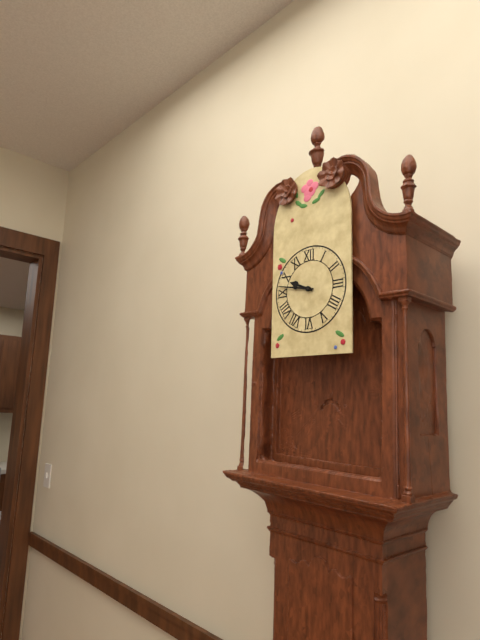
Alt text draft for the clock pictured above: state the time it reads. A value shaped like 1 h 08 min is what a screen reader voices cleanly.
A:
9 h 47 min
